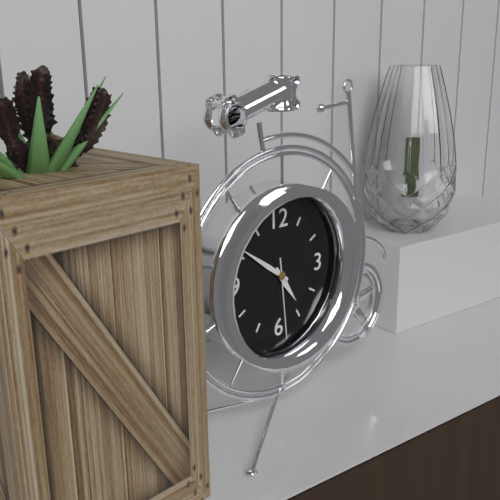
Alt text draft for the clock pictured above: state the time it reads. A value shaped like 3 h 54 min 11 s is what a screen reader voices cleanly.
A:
4 h 51 min 29 s
